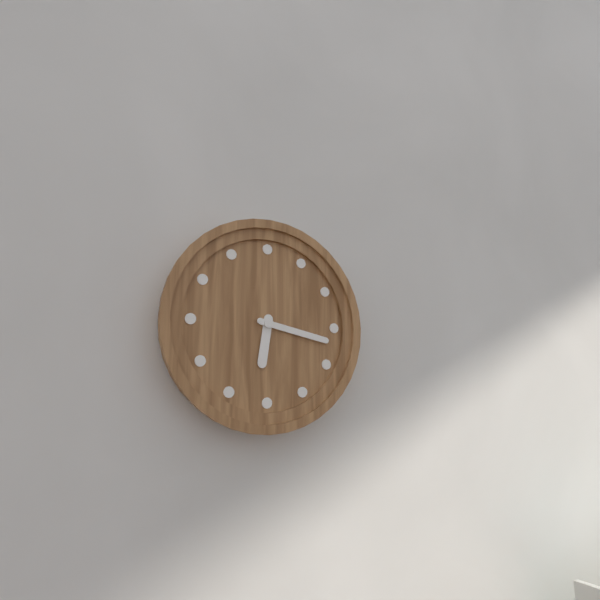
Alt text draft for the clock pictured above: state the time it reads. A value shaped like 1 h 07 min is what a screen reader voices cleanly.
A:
6 h 17 min
